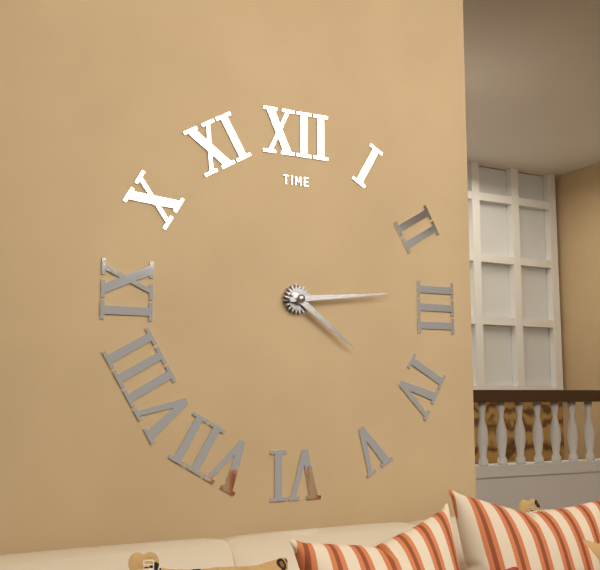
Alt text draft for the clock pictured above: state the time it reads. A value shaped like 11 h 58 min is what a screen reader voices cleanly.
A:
4 h 14 min
